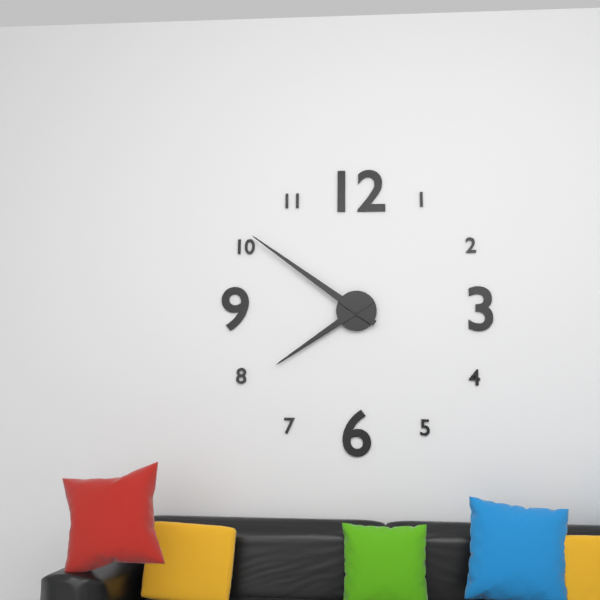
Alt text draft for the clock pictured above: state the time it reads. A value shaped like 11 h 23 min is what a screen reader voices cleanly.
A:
7 h 51 min
